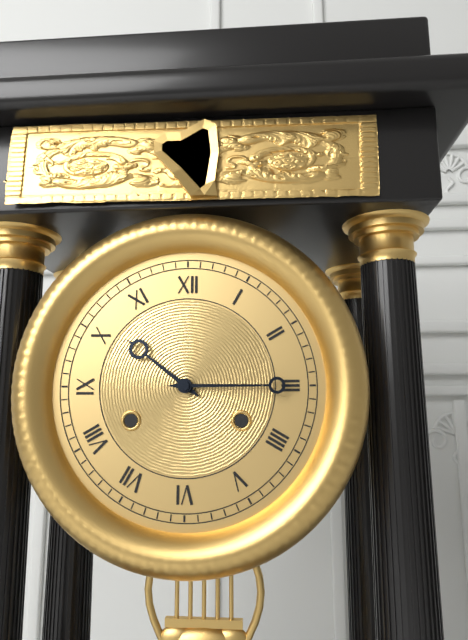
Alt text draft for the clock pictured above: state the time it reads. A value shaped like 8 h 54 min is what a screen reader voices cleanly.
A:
10 h 15 min
